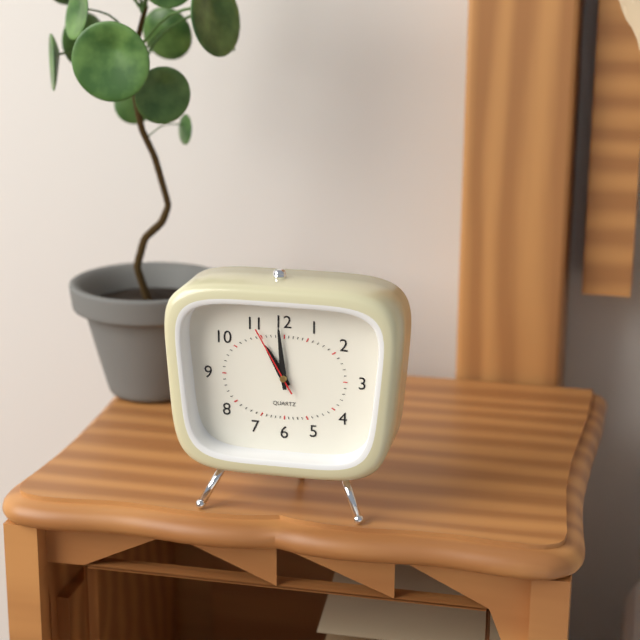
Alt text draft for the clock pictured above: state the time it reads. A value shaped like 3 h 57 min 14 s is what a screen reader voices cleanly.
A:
10 h 59 min 55 s
